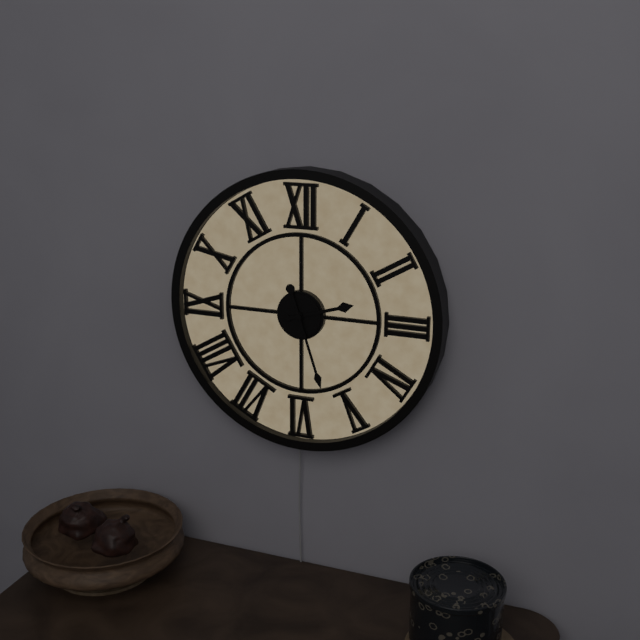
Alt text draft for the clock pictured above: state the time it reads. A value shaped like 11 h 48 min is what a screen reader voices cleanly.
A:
2 h 27 min
